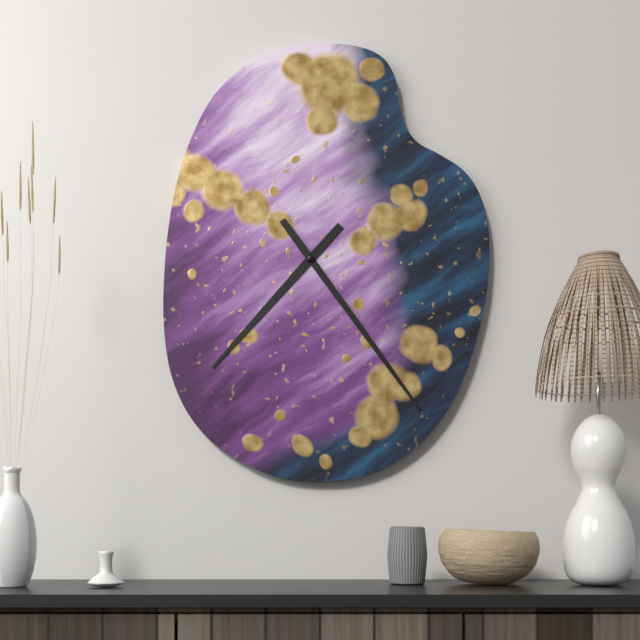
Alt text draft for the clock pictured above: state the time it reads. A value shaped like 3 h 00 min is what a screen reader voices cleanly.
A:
7 h 24 min
